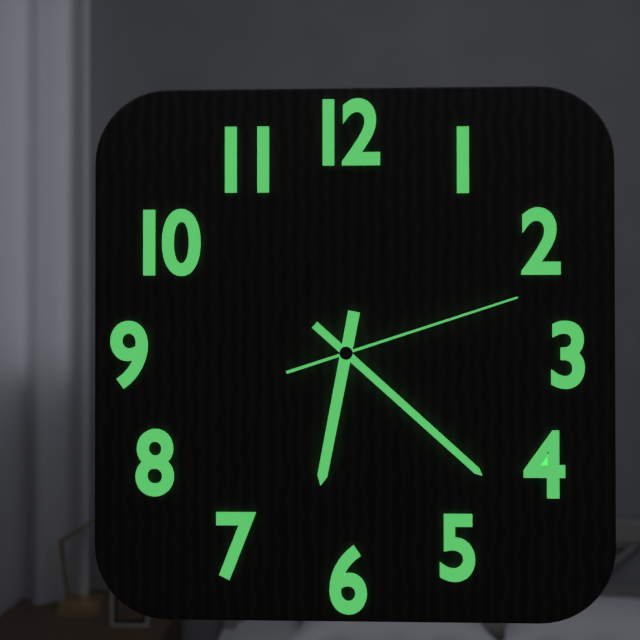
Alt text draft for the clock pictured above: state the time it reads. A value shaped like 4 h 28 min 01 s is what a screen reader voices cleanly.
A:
6 h 22 min 12 s
